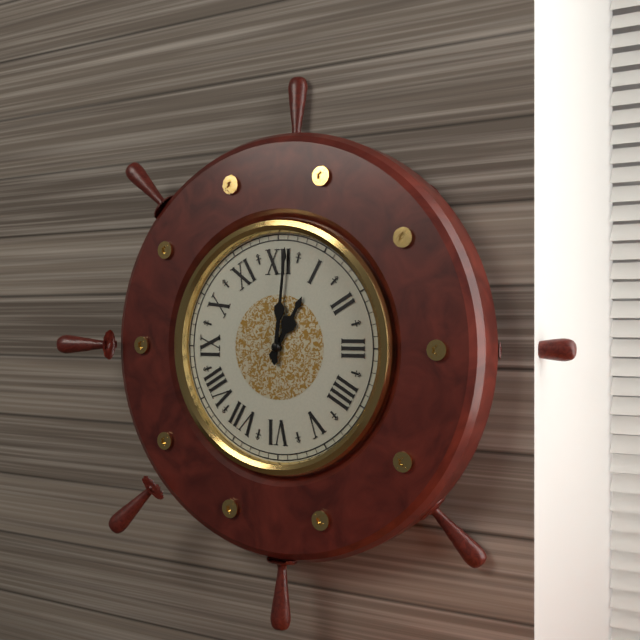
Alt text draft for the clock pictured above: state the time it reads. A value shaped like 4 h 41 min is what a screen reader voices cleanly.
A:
1 h 01 min
